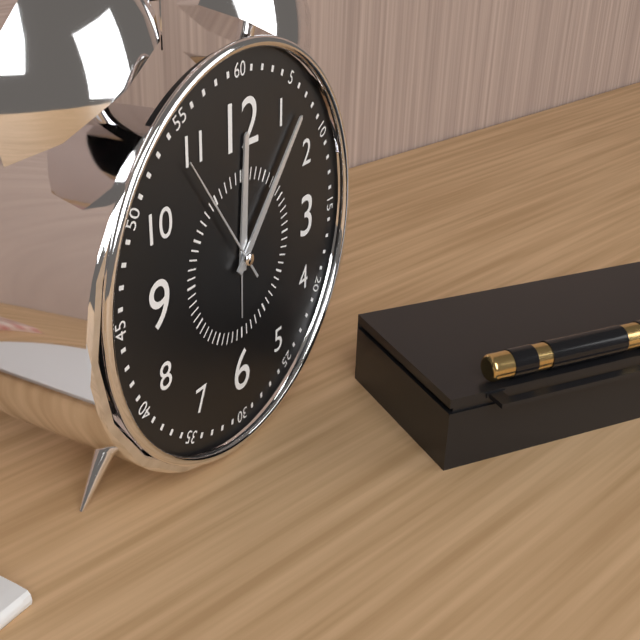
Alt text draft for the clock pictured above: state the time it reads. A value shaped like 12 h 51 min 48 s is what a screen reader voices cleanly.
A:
12 h 07 min 54 s
